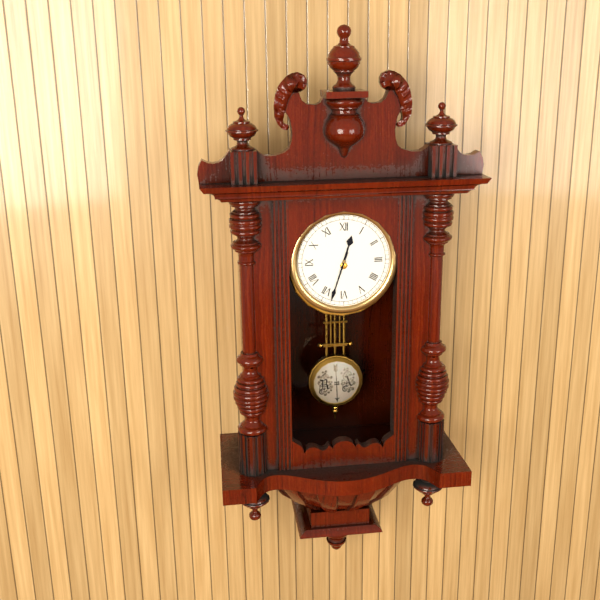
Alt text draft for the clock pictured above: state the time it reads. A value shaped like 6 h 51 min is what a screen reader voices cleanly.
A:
12 h 33 min
